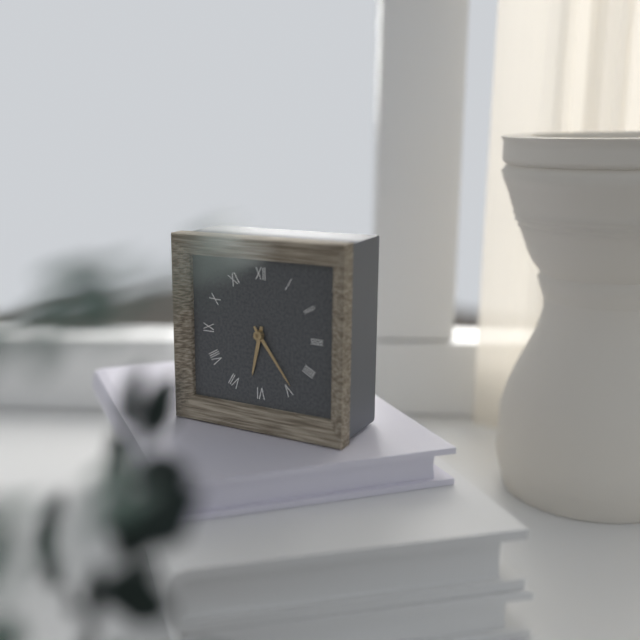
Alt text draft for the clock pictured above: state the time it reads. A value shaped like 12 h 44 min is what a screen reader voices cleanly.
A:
6 h 24 min
